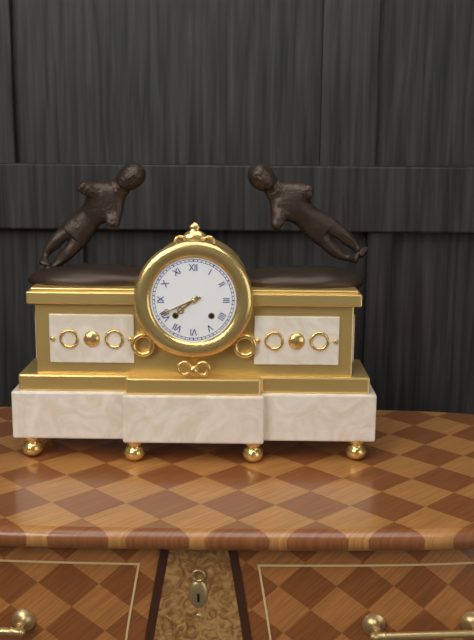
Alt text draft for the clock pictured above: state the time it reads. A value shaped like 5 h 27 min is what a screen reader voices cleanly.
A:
7 h 41 min
